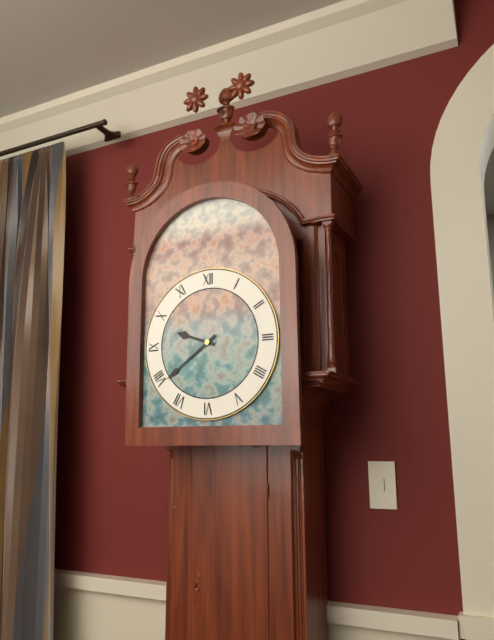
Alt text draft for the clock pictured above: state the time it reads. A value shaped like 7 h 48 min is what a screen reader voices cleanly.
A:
9 h 39 min
